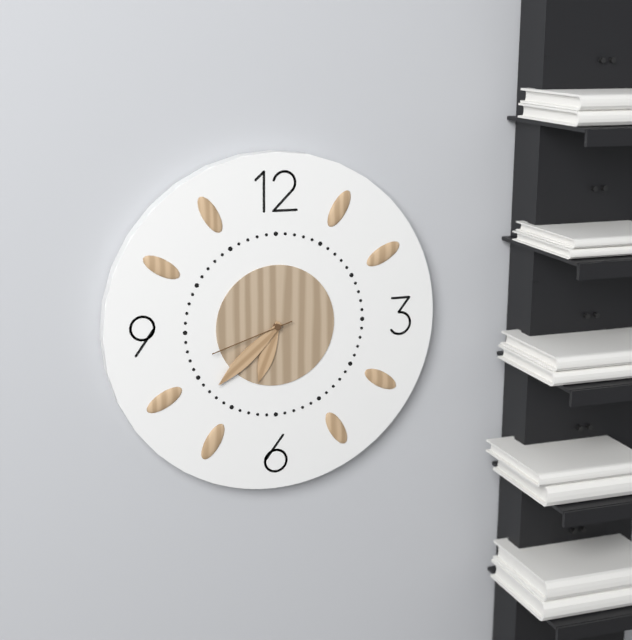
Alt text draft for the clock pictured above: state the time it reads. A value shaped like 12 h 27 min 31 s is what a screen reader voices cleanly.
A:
6 h 38 min 42 s
